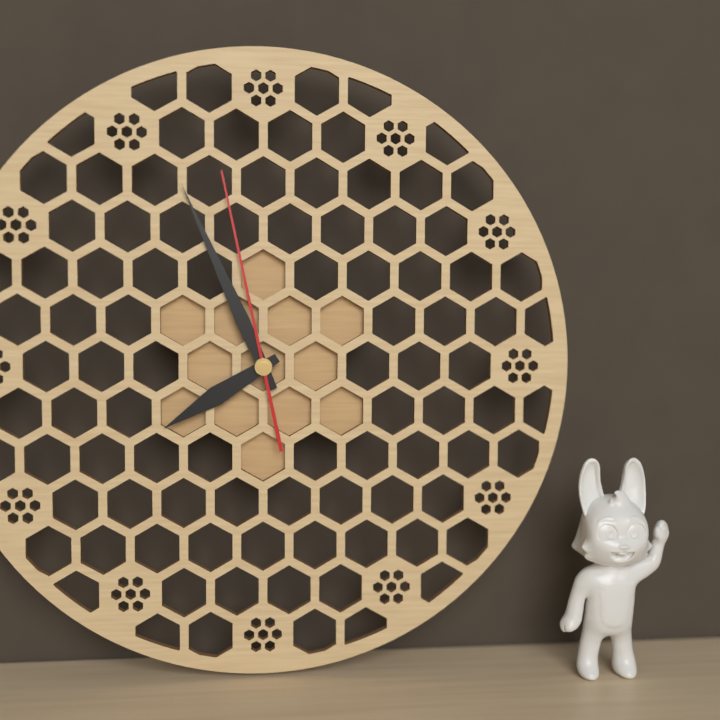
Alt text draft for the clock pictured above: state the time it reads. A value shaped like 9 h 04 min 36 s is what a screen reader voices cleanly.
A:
7 h 56 min 58 s
